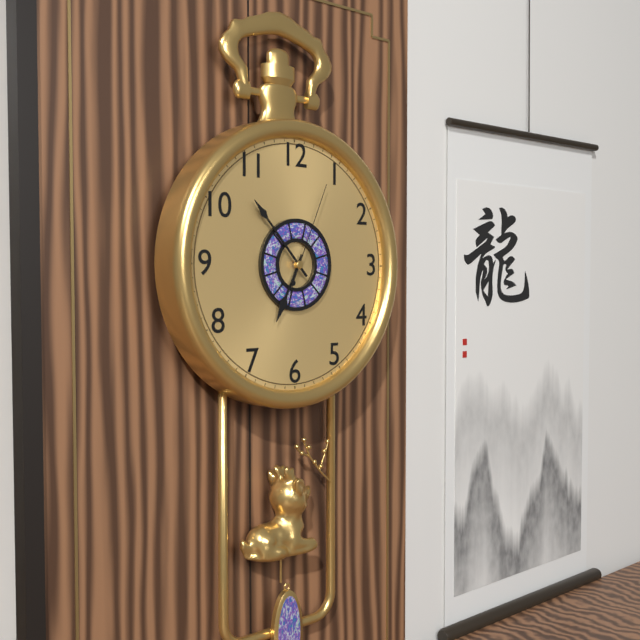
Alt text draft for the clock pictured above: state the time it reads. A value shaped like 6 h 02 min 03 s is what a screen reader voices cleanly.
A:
6 h 53 min 04 s
